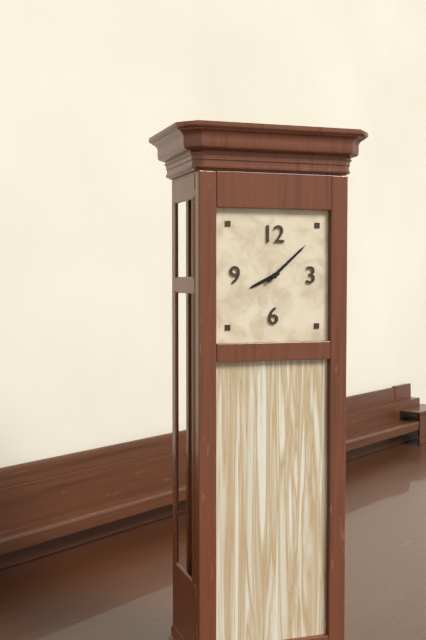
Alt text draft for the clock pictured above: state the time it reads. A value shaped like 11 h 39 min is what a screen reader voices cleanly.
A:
8 h 08 min
